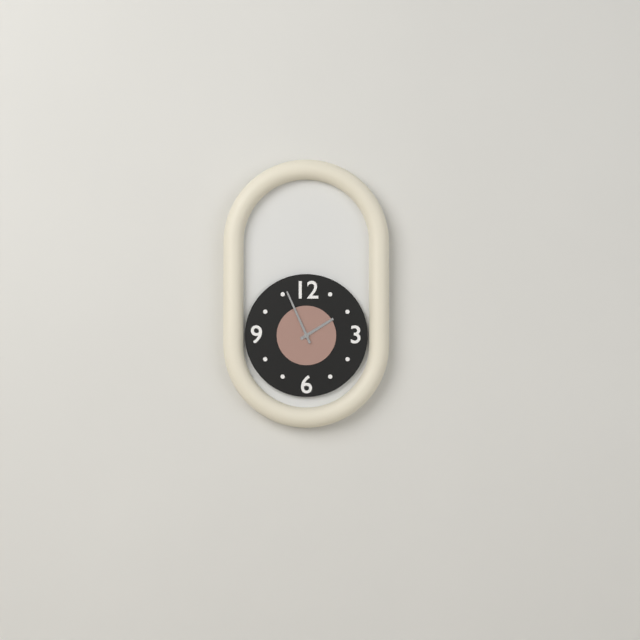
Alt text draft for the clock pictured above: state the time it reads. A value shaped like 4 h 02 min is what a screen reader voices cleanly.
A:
1 h 56 min
